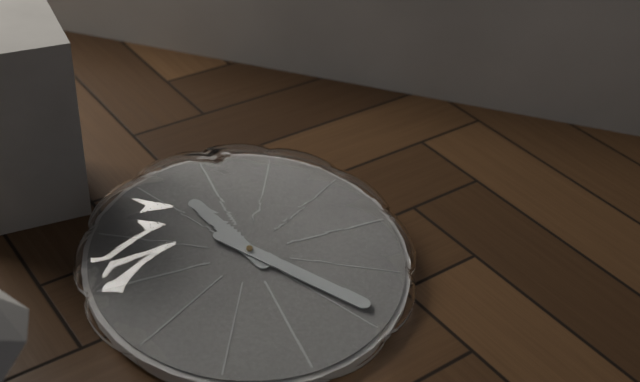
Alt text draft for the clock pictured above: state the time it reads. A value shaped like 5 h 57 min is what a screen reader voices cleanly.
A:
11 h 24 min
